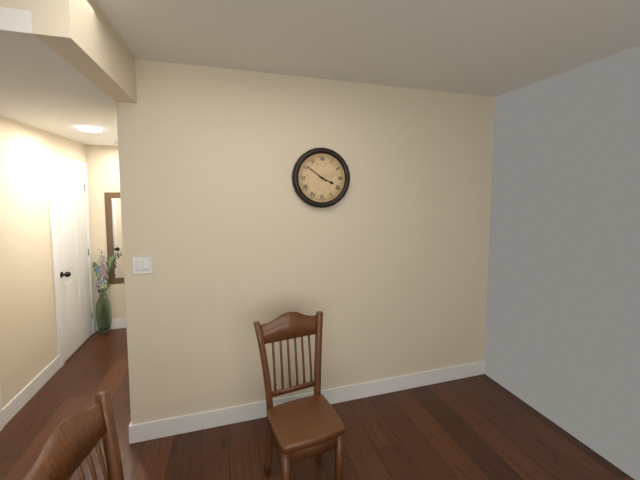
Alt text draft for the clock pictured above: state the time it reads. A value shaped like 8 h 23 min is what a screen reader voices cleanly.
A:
3 h 51 min
